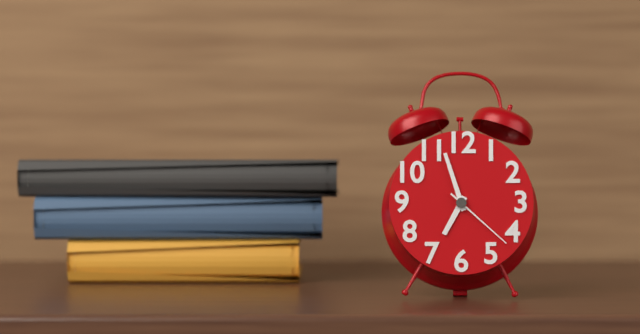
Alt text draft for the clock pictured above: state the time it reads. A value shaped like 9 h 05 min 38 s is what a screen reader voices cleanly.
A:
6 h 57 min 22 s
